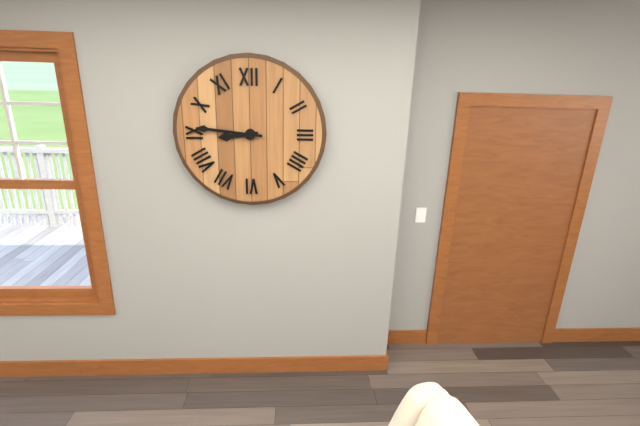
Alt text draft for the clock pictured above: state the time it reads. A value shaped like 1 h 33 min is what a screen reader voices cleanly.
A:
8 h 46 min
